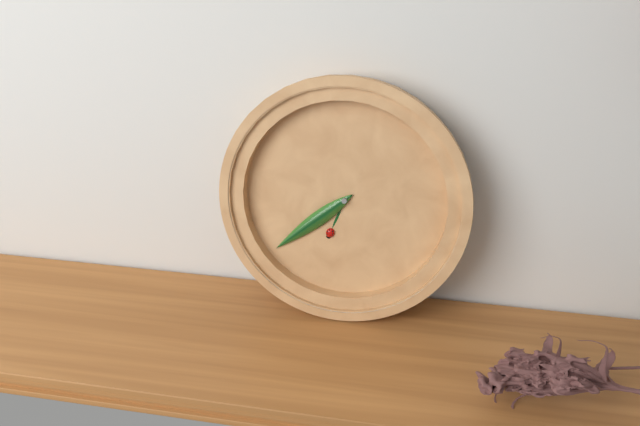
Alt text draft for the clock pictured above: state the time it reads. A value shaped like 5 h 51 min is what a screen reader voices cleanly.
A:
6 h 38 min
